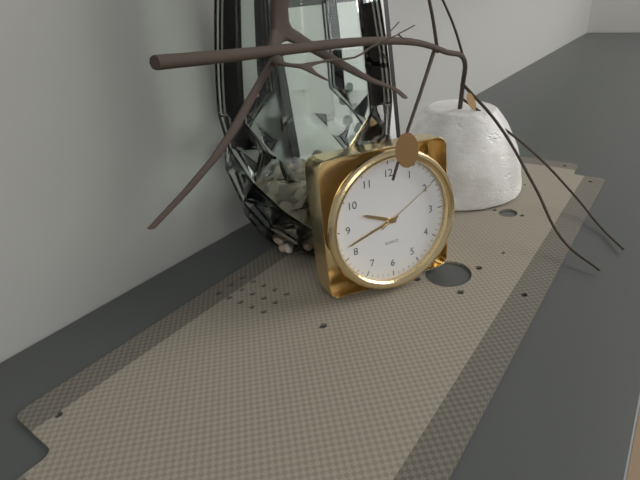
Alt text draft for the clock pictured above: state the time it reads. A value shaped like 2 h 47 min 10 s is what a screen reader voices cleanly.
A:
9 h 42 min 10 s
